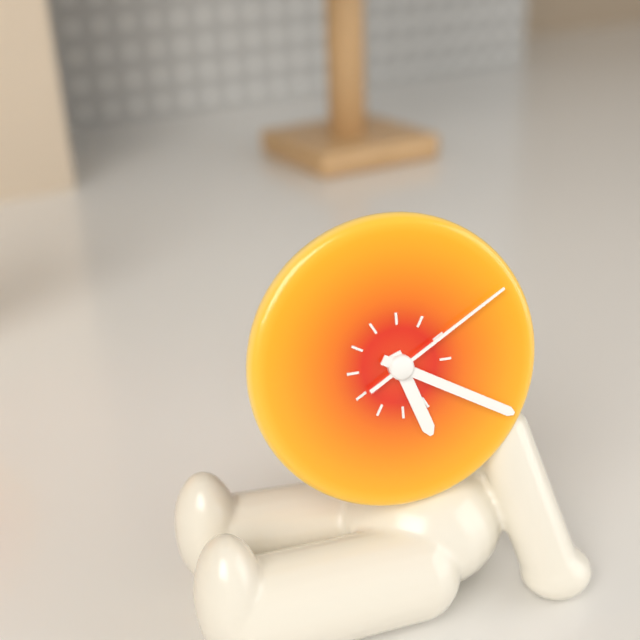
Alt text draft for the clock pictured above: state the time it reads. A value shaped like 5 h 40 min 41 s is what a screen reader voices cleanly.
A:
5 h 20 min 10 s
